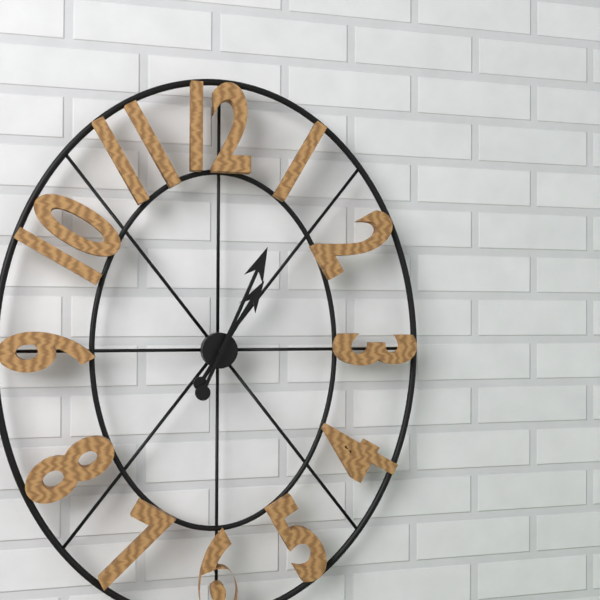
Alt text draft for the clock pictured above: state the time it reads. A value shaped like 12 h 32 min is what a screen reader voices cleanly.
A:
1 h 04 min
